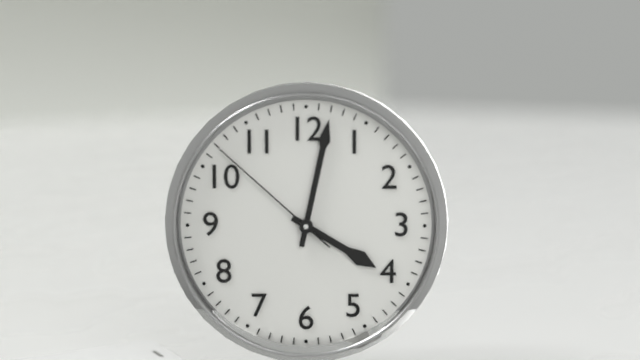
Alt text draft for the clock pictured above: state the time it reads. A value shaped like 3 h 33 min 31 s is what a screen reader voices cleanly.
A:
4 h 02 min 52 s
